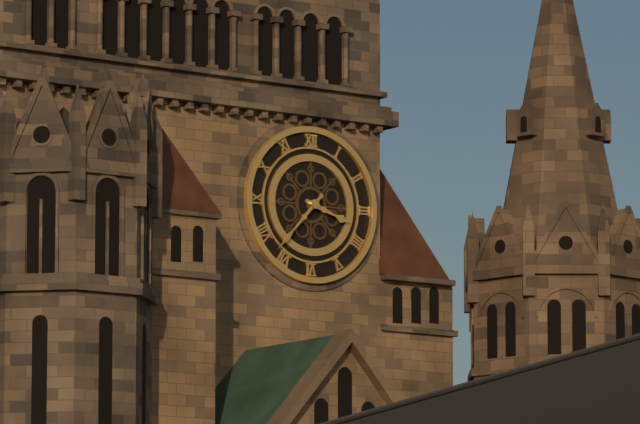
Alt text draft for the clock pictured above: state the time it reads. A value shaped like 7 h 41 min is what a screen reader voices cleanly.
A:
3 h 37 min
